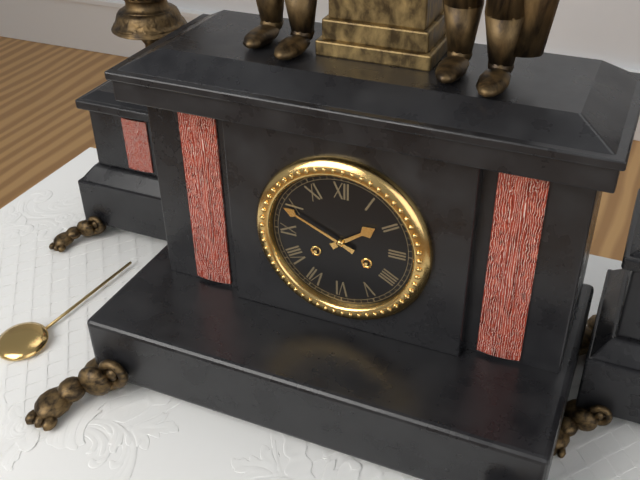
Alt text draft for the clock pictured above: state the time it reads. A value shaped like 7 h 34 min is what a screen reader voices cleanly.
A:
1 h 49 min
